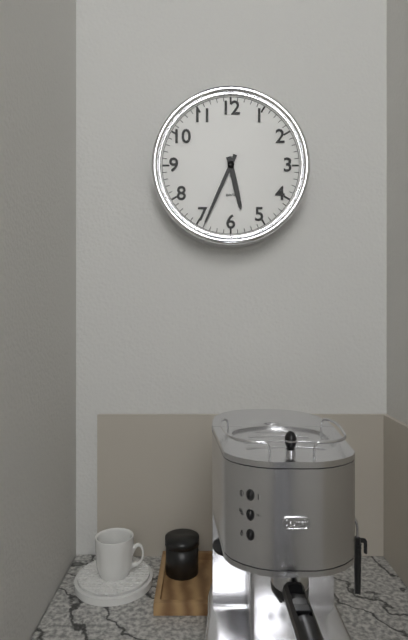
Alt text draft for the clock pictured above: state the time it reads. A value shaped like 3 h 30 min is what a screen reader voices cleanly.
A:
5 h 34 min
